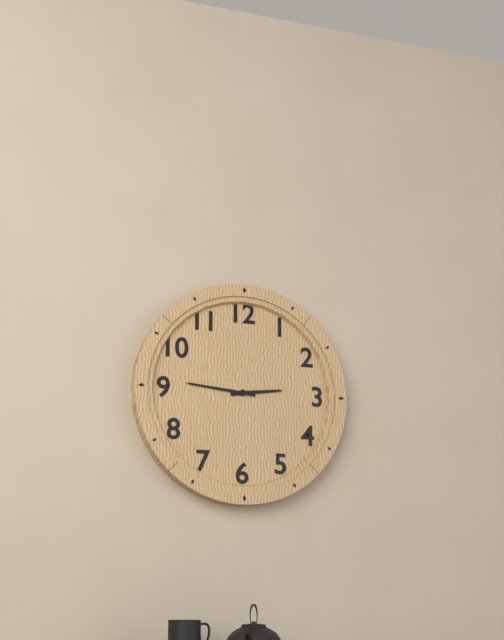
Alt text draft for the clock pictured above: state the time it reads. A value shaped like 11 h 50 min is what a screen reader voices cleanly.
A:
2 h 46 min
